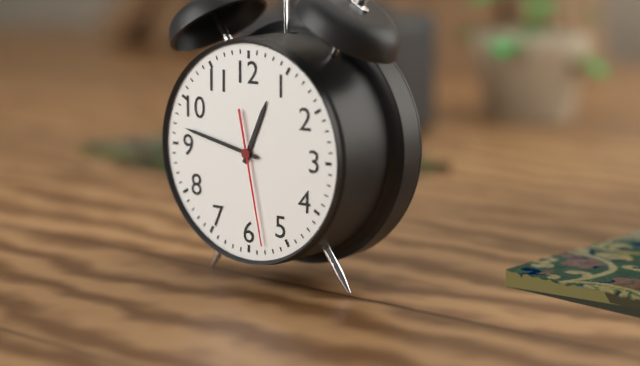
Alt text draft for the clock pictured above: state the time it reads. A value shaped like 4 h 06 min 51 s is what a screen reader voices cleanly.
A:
12 h 47 min 28 s
